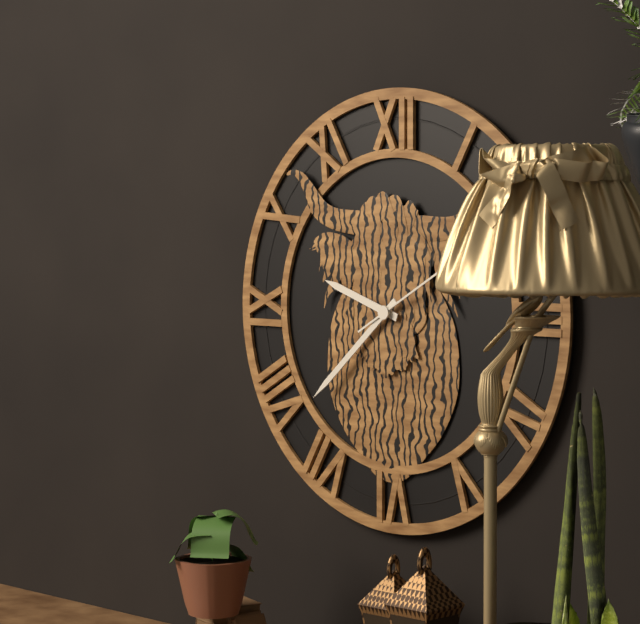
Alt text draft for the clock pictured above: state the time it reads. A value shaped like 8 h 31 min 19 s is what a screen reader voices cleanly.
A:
9 h 38 min 10 s
